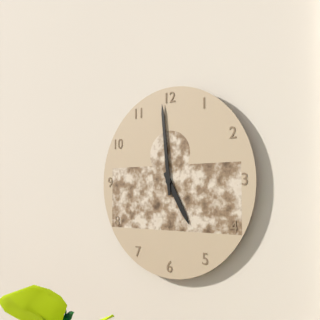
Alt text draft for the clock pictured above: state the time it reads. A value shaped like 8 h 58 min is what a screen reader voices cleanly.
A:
4 h 59 min
